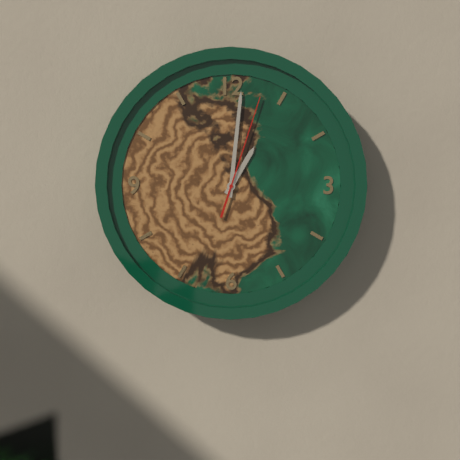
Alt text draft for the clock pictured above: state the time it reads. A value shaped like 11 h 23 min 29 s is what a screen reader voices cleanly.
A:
1 h 01 min 03 s
